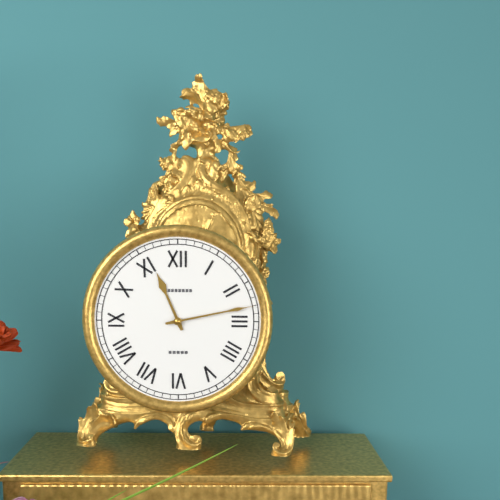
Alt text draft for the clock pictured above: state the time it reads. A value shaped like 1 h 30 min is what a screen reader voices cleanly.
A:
11 h 13 min
